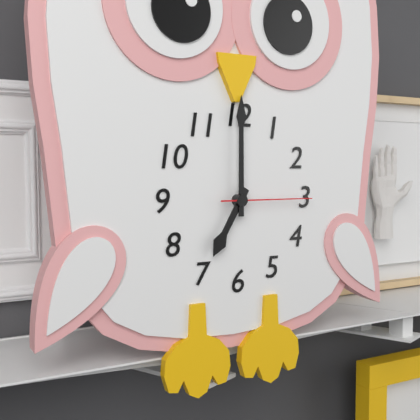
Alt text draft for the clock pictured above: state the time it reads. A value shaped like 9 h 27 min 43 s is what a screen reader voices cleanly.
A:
7 h 00 min 15 s
